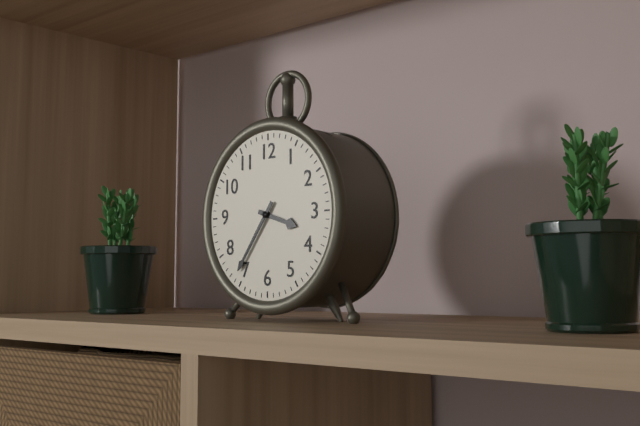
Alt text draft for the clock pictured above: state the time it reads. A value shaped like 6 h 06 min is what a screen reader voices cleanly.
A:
3 h 36 min
